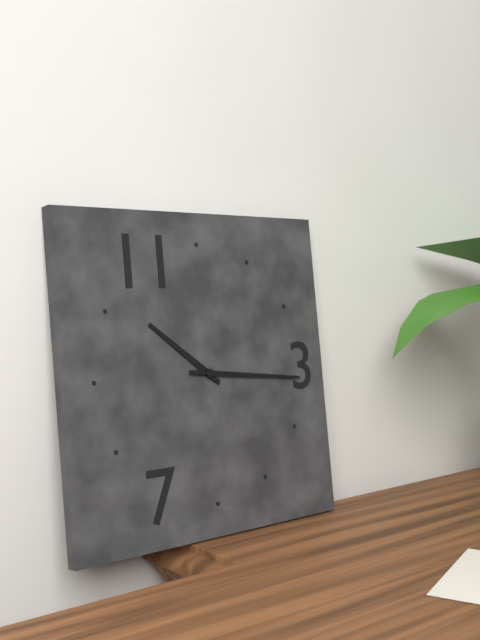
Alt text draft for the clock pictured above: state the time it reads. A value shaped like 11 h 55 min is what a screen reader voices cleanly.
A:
10 h 16 min
